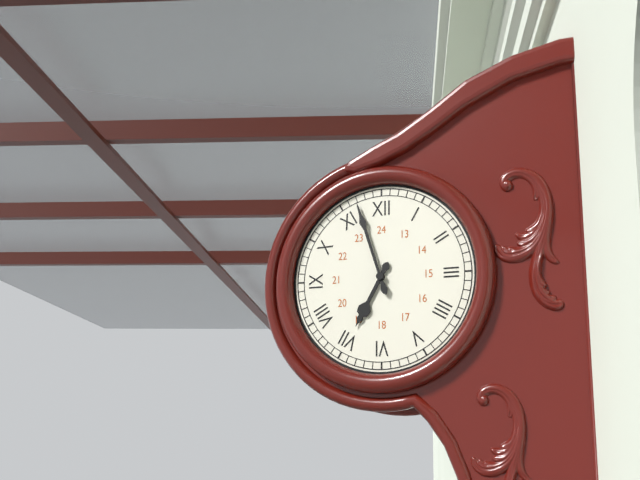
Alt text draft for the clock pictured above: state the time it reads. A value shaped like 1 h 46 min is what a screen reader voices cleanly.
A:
6 h 57 min
